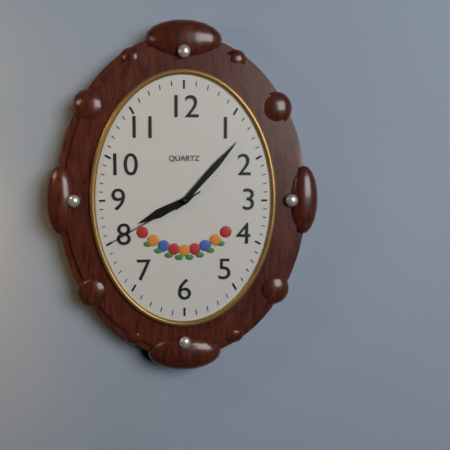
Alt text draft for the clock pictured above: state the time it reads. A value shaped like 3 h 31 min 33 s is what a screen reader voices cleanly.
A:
8 h 07 min 40 s
